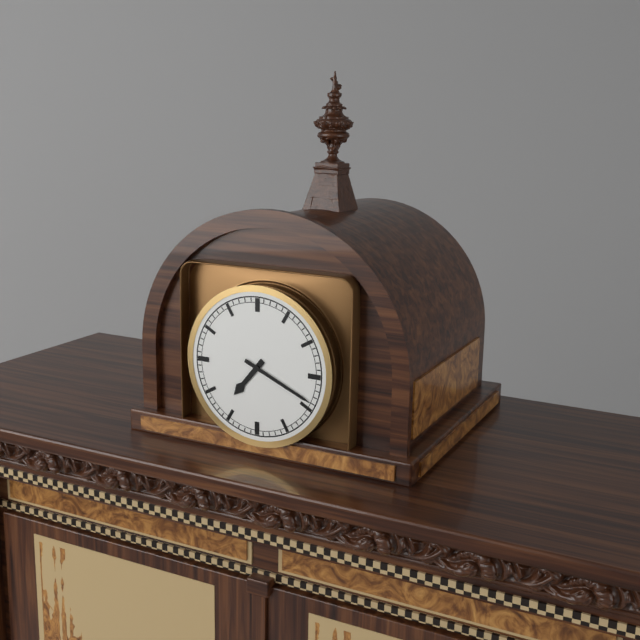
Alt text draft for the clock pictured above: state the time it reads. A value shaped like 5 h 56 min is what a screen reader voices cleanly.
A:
7 h 19 min
